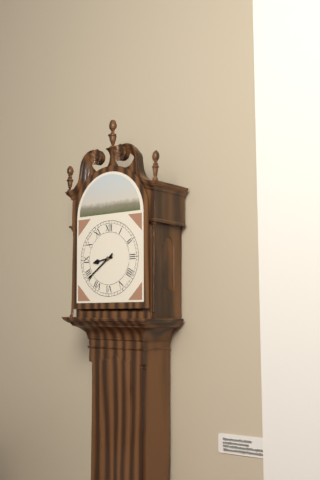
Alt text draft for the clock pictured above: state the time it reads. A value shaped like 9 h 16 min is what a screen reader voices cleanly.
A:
8 h 39 min
